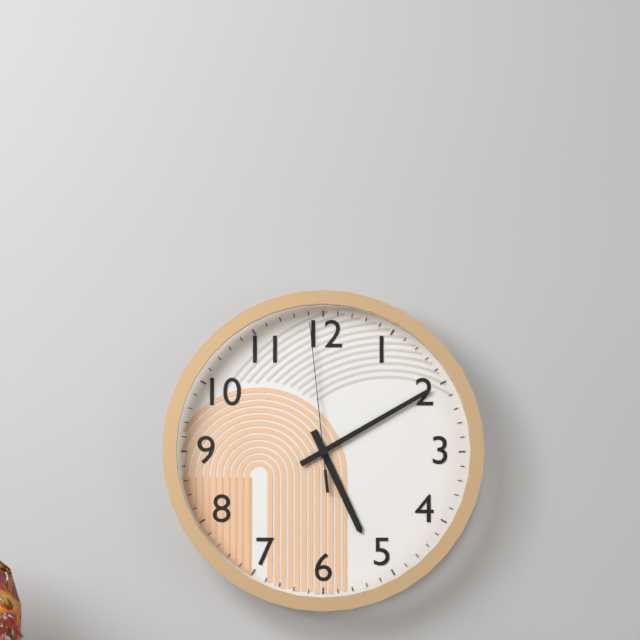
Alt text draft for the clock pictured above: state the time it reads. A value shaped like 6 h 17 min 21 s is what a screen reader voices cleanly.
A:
5 h 10 min 59 s
